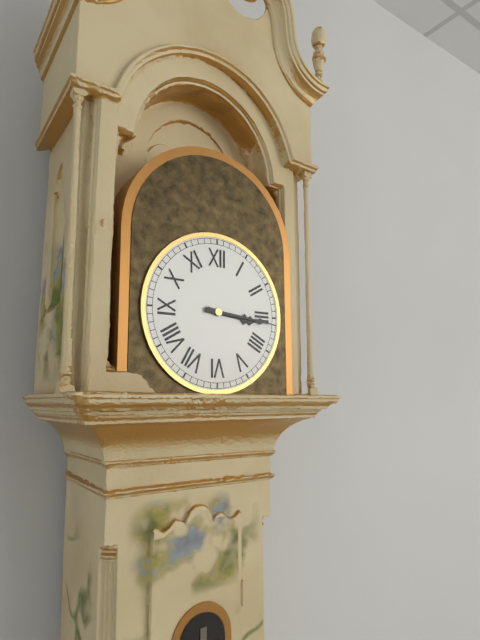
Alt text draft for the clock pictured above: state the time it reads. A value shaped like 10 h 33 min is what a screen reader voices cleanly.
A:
3 h 16 min
